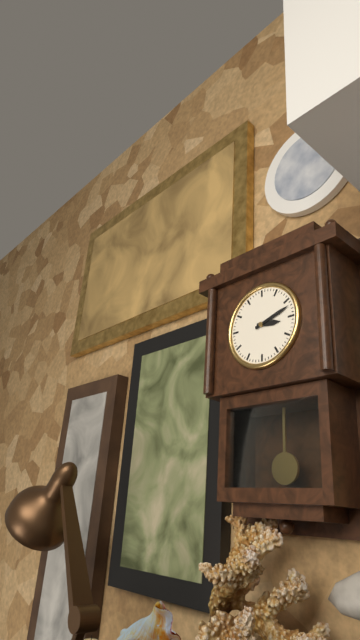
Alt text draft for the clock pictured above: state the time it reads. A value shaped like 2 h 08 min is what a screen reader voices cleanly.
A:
3 h 12 min
